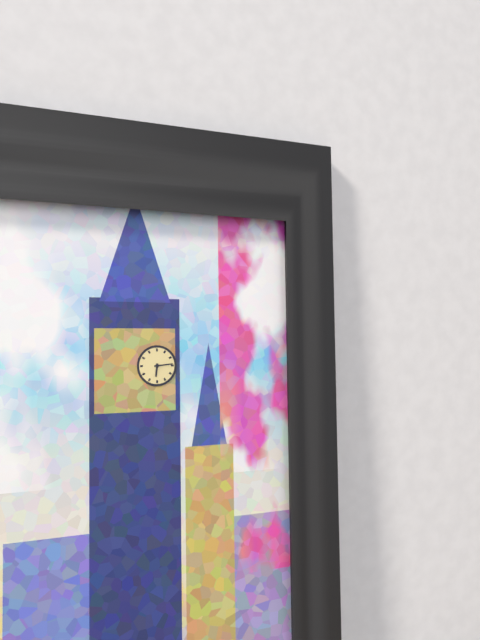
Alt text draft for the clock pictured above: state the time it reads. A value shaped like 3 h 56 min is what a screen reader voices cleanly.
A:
6 h 14 min
